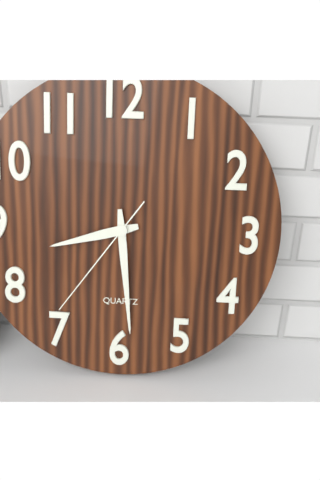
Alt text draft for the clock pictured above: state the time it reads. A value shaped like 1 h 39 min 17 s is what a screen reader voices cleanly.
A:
8 h 29 min 36 s
